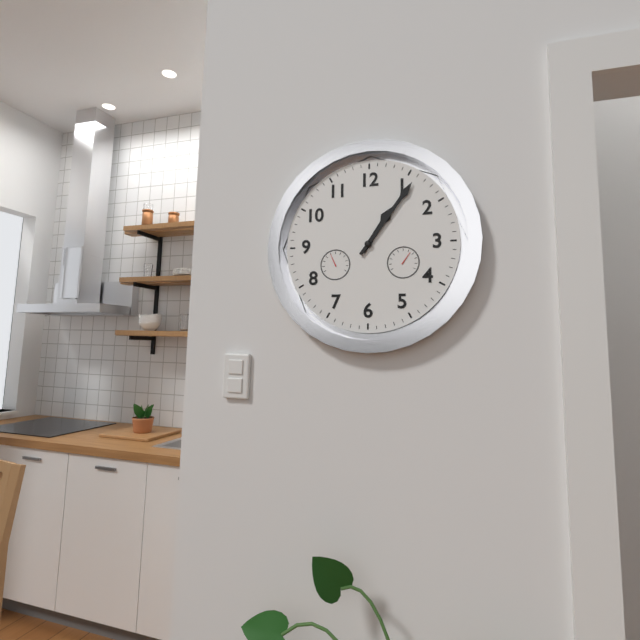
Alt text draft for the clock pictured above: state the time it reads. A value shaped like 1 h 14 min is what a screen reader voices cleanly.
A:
1 h 06 min
